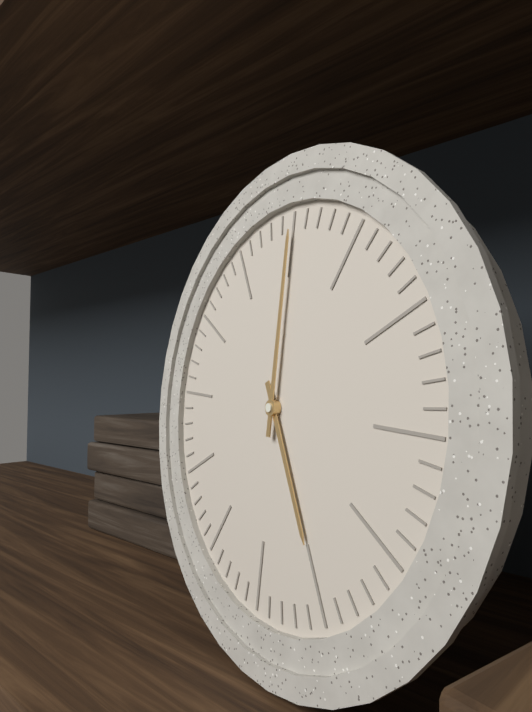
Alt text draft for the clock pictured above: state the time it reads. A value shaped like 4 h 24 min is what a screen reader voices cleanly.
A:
5 h 00 min
